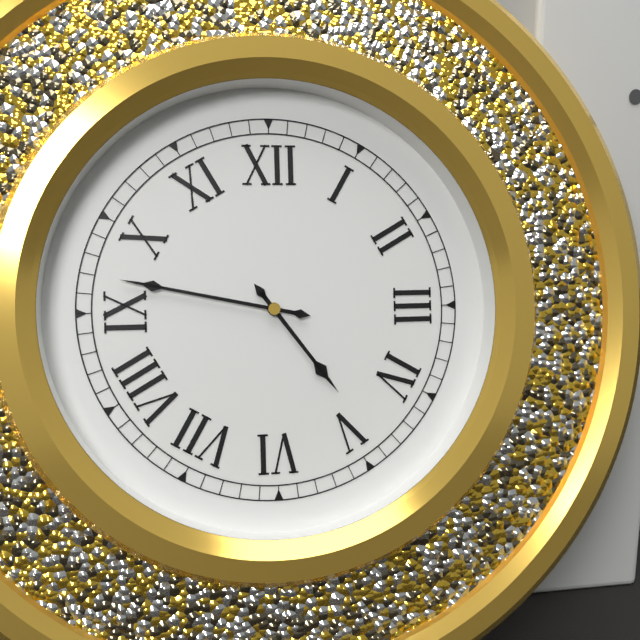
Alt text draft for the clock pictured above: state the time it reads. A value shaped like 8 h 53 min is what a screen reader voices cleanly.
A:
4 h 47 min
